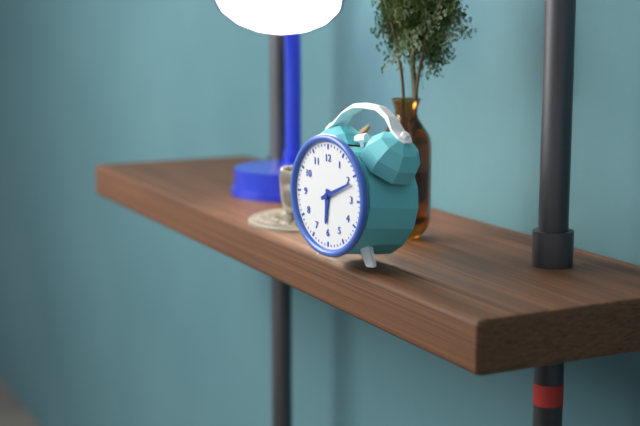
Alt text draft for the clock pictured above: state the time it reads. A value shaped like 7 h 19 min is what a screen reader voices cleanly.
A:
6 h 11 min
